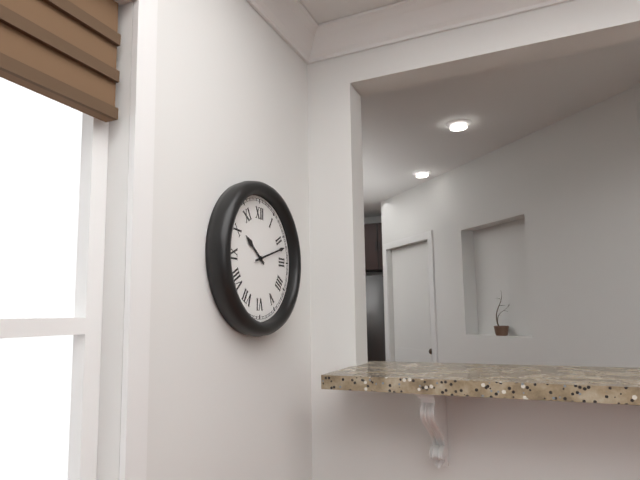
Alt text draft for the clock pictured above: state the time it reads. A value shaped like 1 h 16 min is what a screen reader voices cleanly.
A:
10 h 12 min
